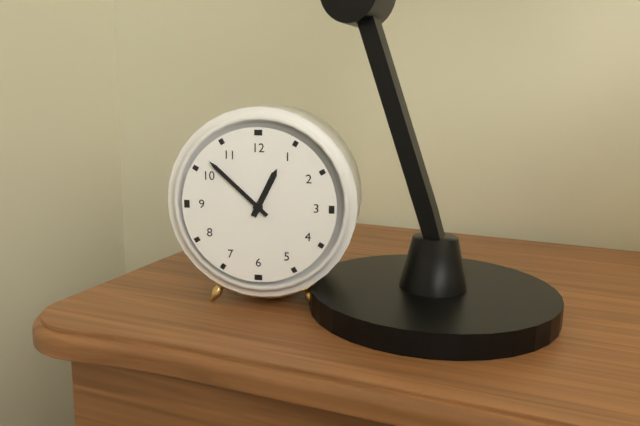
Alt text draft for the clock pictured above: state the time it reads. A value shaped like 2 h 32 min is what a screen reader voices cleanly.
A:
12 h 52 min
